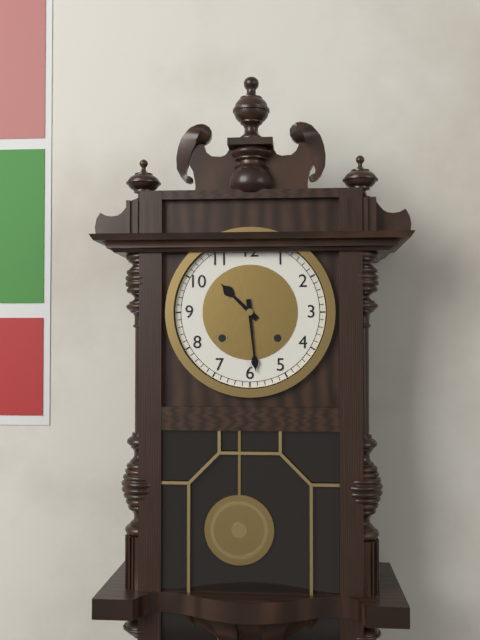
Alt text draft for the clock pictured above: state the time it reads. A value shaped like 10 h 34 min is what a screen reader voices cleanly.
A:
10 h 29 min
